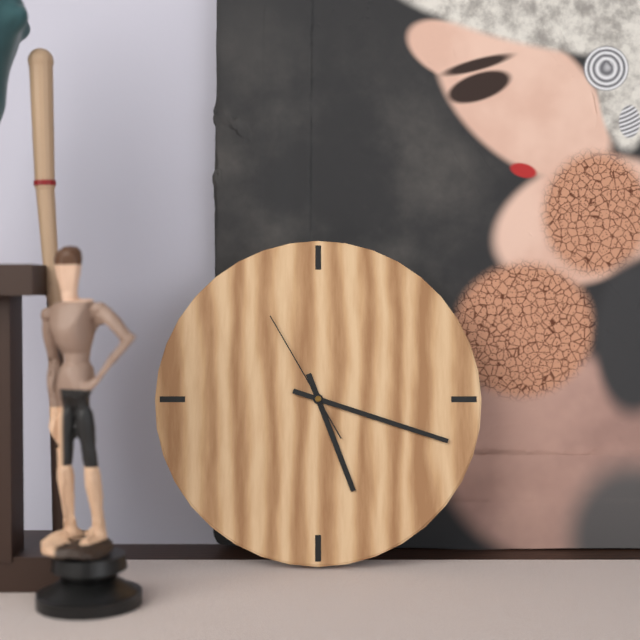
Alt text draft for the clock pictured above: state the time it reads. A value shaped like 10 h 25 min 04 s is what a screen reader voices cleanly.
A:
5 h 18 min 55 s
